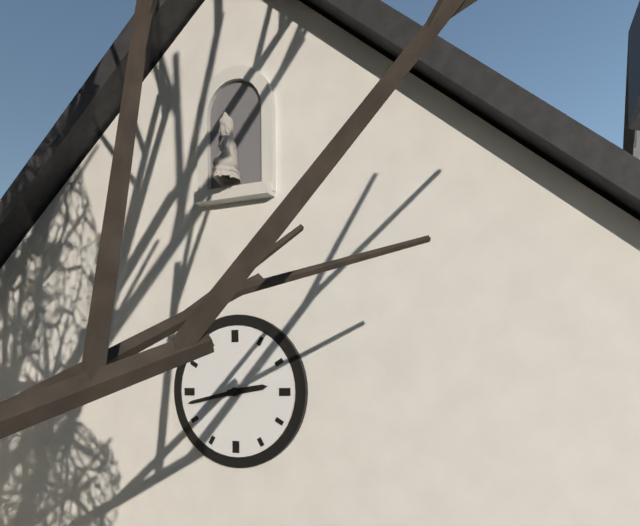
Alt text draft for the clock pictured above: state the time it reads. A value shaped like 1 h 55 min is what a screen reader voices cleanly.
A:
2 h 43 min
